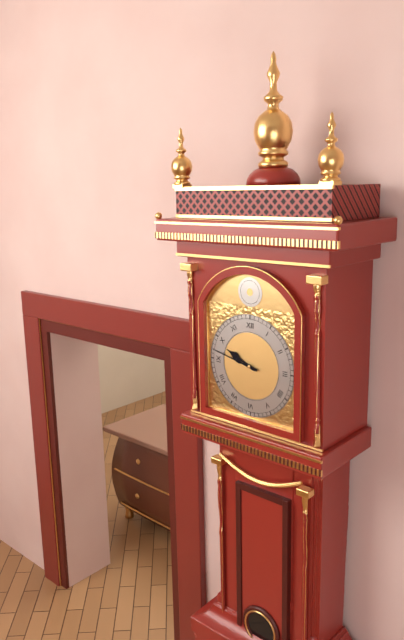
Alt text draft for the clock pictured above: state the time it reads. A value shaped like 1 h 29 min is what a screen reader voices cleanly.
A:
9 h 47 min
